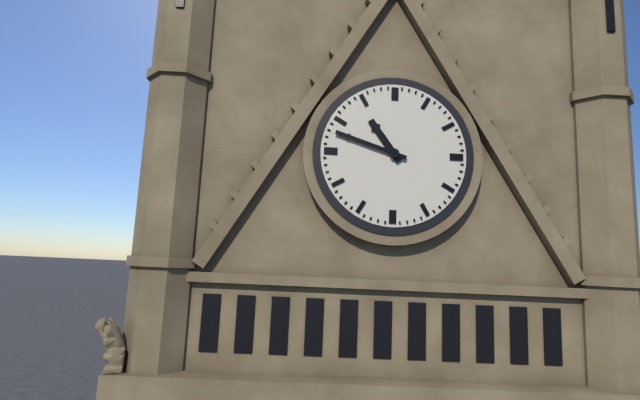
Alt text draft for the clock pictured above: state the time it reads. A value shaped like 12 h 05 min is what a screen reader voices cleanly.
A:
10 h 48 min
